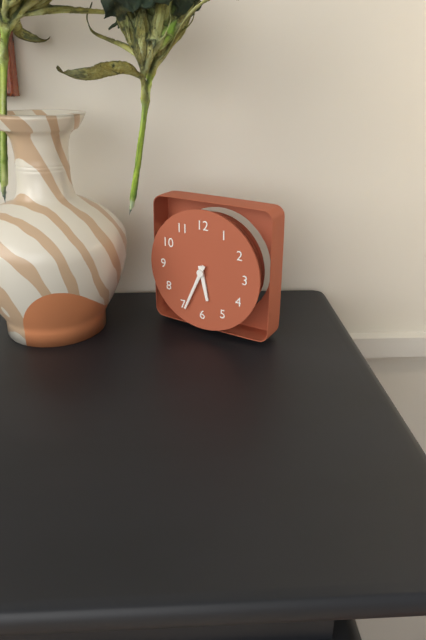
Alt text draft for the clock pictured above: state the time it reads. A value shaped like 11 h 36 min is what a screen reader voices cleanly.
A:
5 h 34 min
